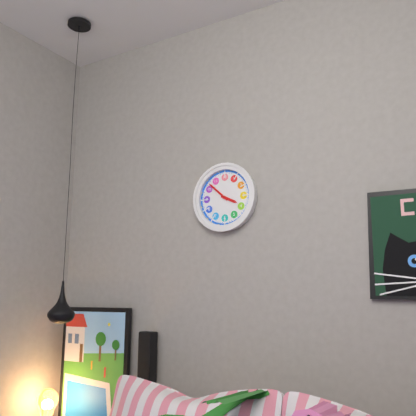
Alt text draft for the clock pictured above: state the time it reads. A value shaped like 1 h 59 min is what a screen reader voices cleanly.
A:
3 h 52 min
